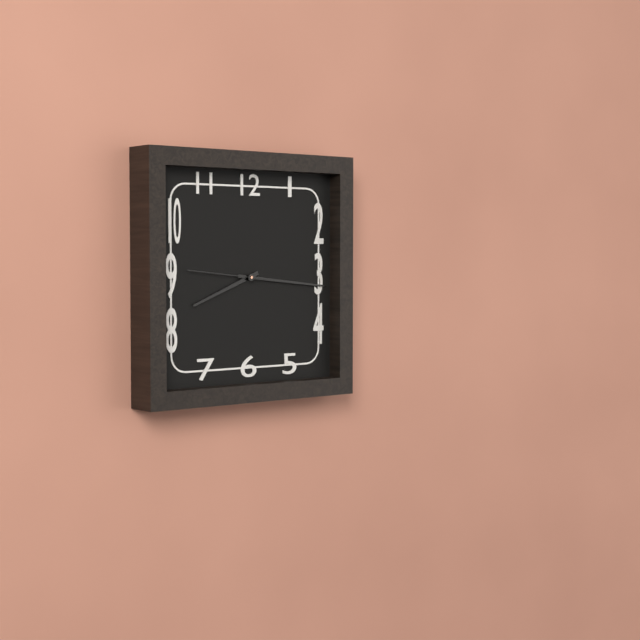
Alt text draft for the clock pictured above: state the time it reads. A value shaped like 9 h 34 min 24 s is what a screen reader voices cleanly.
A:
8 h 16 min 46 s
